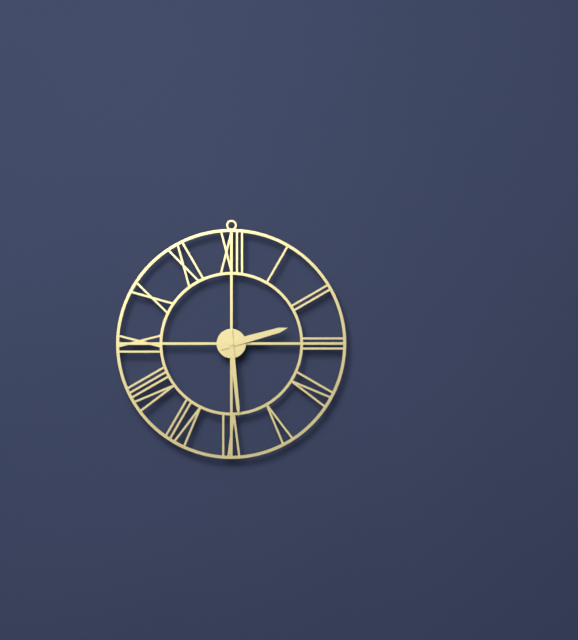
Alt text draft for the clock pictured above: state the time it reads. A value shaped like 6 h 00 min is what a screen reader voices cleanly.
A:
2 h 29 min
